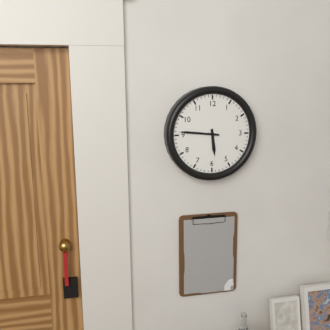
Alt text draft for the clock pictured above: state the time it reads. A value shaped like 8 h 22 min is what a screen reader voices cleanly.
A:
5 h 46 min
